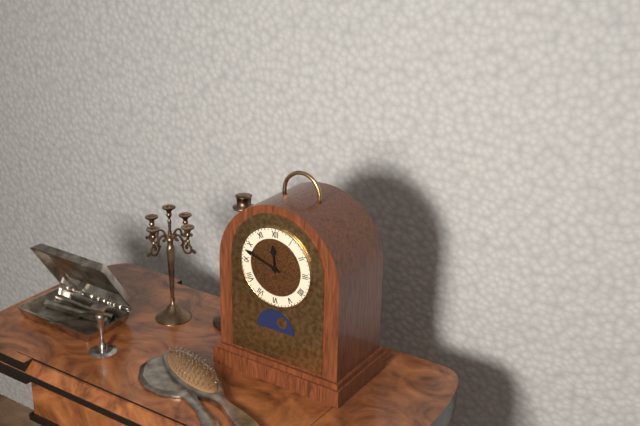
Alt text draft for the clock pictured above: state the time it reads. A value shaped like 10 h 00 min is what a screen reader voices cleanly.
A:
11 h 48 min
